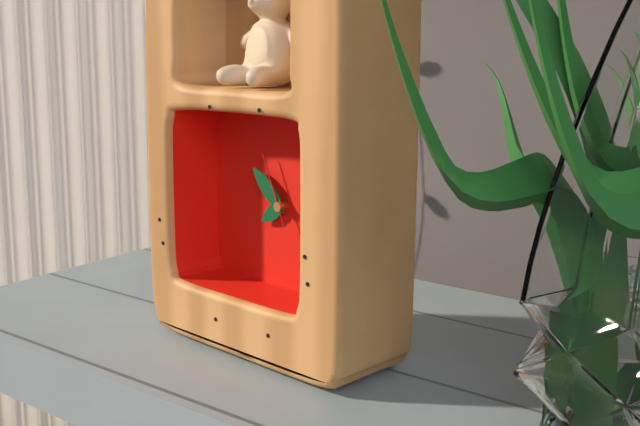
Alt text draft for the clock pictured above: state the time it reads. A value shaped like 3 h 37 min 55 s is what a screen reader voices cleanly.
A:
7 h 52 min 56 s
